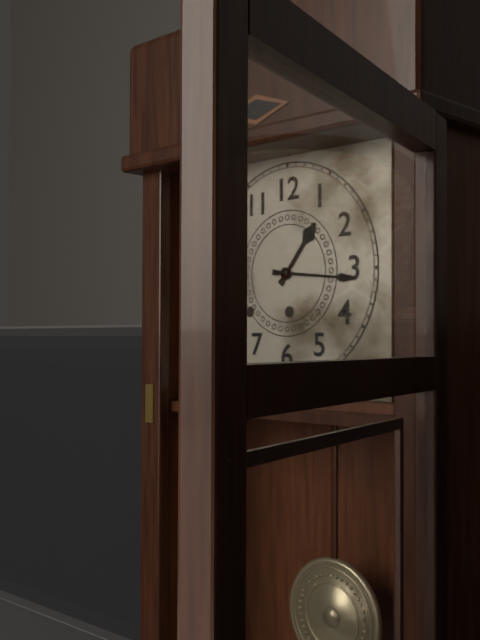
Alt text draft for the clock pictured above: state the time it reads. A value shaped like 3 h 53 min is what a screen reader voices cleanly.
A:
1 h 16 min
